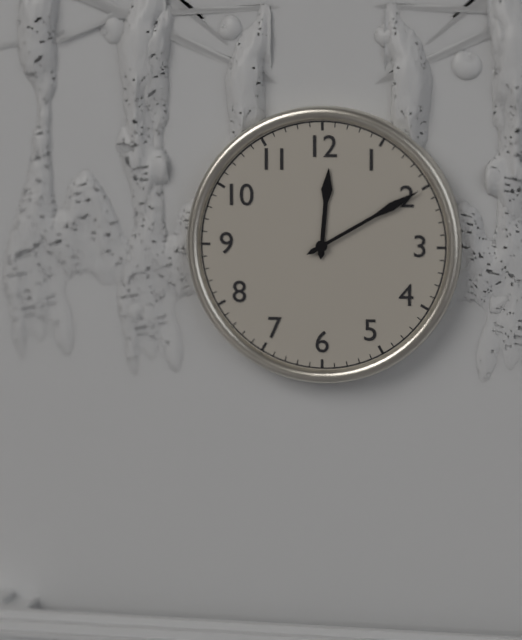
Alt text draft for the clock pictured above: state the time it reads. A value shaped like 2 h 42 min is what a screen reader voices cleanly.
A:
12 h 10 min
